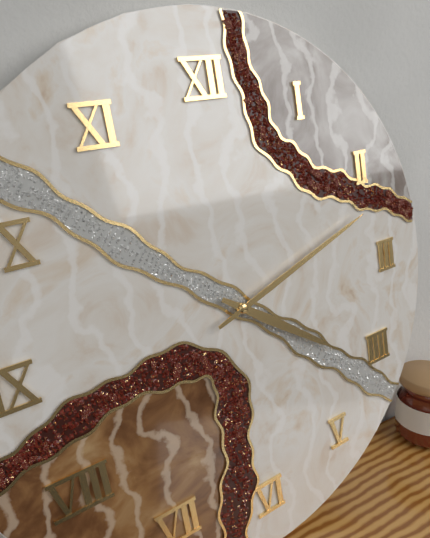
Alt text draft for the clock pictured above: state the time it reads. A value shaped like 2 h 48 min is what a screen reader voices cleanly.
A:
4 h 12 min
